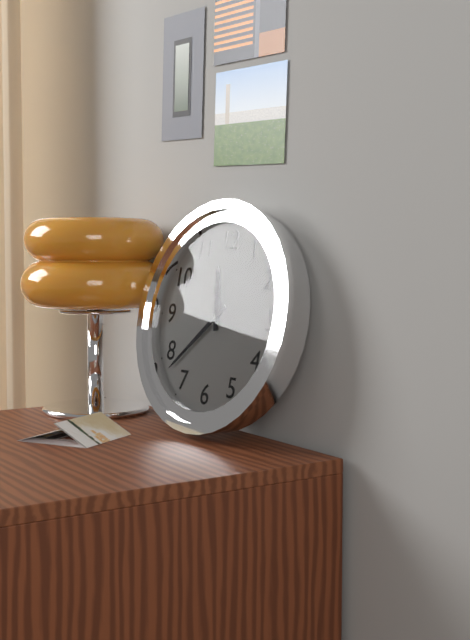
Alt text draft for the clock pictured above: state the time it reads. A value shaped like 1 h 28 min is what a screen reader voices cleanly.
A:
11 h 38 min
